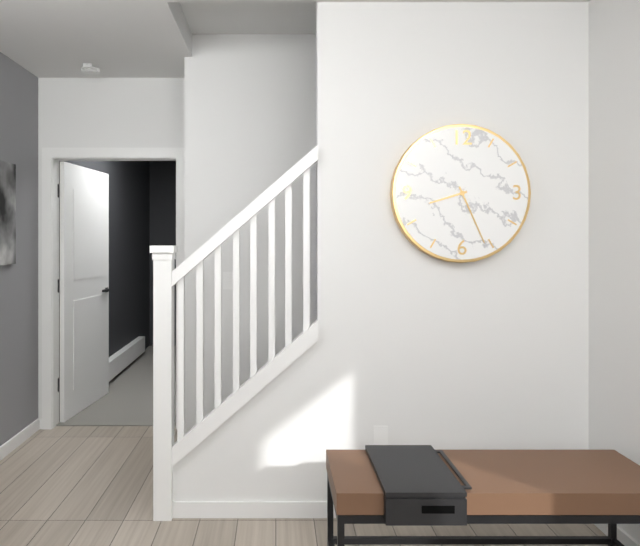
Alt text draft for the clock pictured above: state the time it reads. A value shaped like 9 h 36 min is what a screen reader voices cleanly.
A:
8 h 26 min
